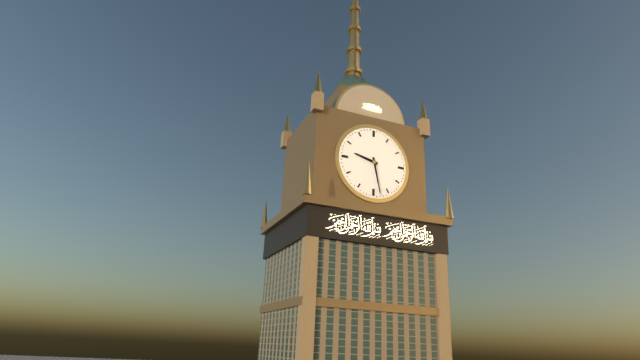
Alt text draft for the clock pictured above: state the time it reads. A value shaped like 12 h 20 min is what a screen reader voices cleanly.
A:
9 h 28 min
